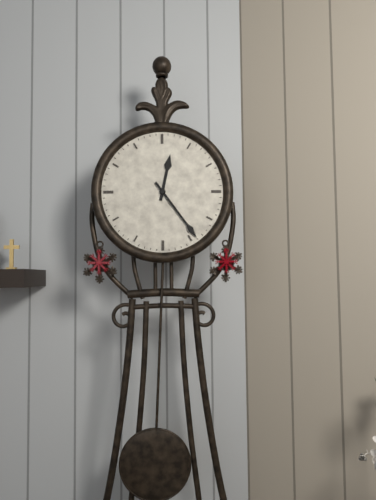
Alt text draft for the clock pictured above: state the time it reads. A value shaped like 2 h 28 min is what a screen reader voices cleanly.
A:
12 h 24 min
